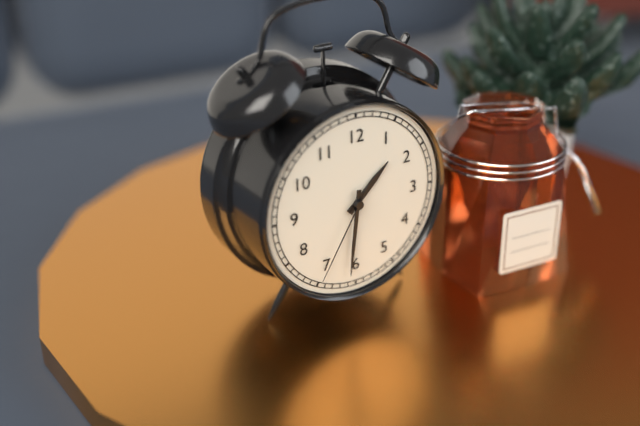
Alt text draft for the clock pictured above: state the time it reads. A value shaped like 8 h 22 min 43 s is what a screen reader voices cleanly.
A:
1 h 31 min 35 s
